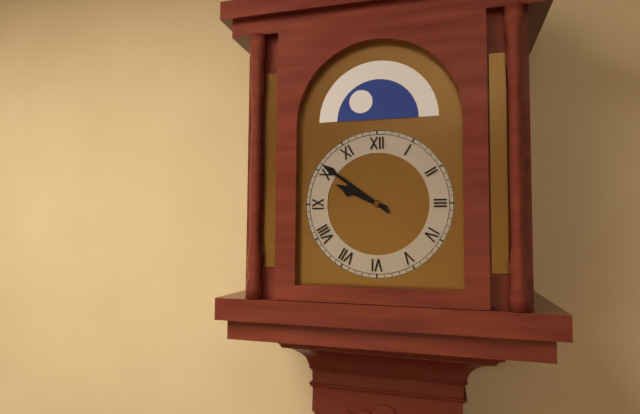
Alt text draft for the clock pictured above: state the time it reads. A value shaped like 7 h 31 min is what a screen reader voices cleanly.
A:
9 h 51 min
